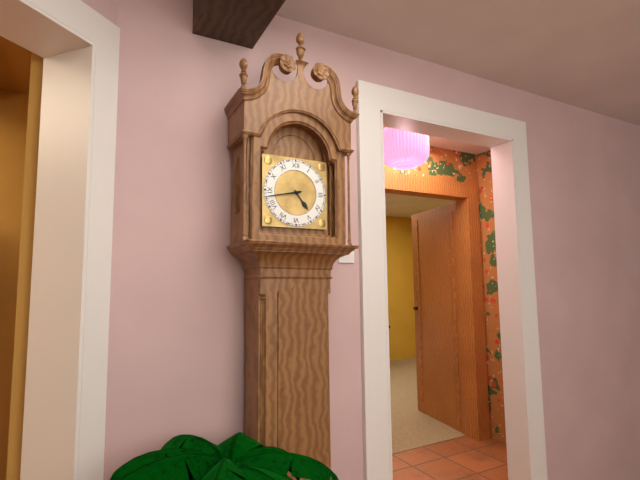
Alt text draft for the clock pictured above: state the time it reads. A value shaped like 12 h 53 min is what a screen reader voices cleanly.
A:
4 h 43 min
